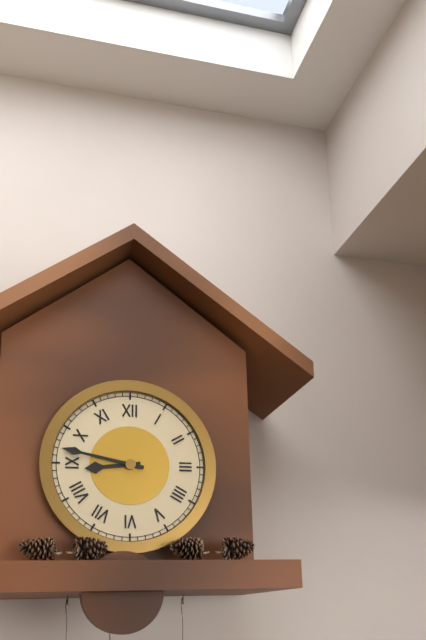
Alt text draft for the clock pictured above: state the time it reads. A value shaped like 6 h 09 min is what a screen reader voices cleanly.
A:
8 h 47 min
